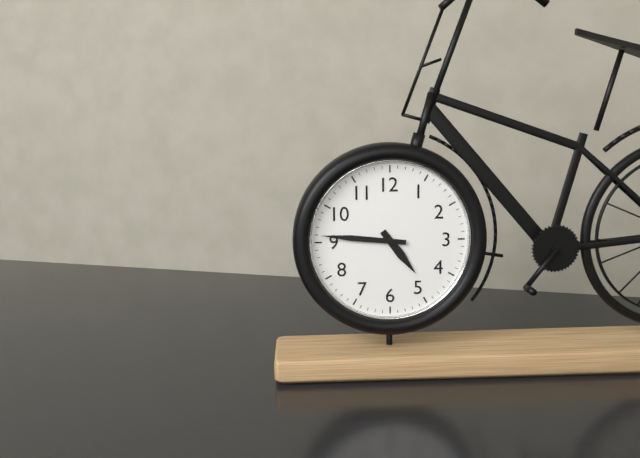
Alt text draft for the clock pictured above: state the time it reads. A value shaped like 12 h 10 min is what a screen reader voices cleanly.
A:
4 h 46 min
